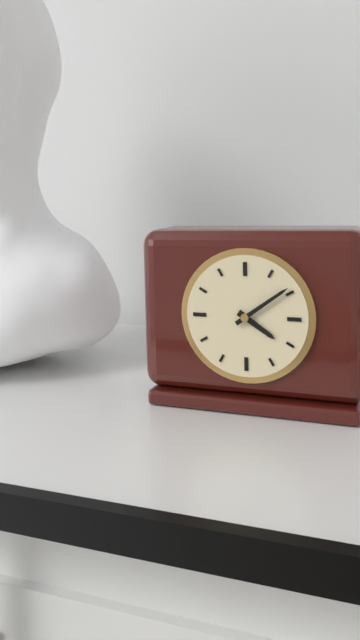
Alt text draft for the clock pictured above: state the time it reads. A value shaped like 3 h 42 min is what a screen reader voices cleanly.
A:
4 h 09 min
